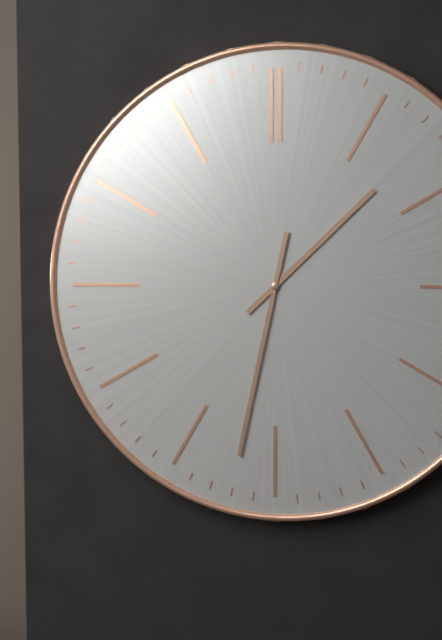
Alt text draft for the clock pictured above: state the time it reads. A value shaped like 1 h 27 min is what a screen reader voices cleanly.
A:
1 h 32 min
